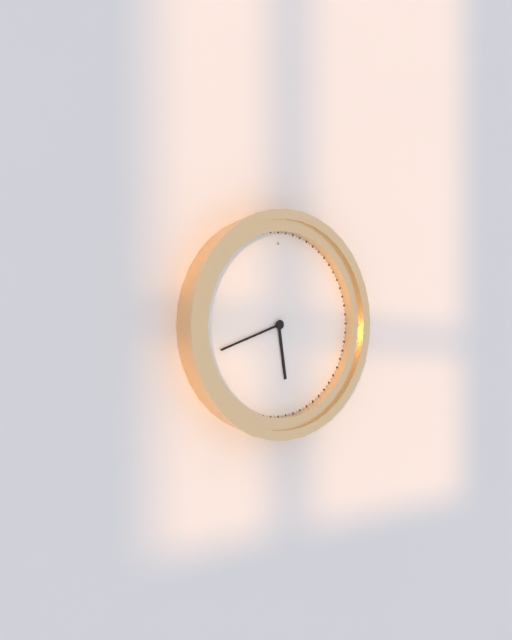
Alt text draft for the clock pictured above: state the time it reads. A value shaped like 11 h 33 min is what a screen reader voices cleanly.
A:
5 h 42 min
